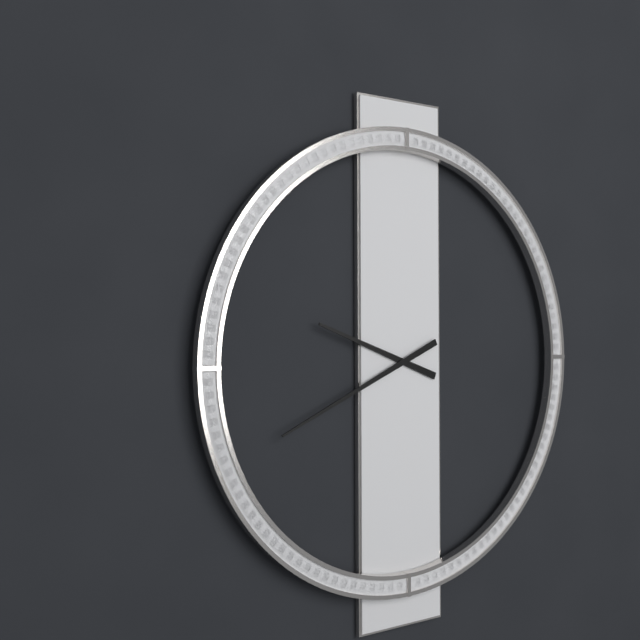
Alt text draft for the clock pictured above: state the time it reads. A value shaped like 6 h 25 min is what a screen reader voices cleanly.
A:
9 h 41 min
